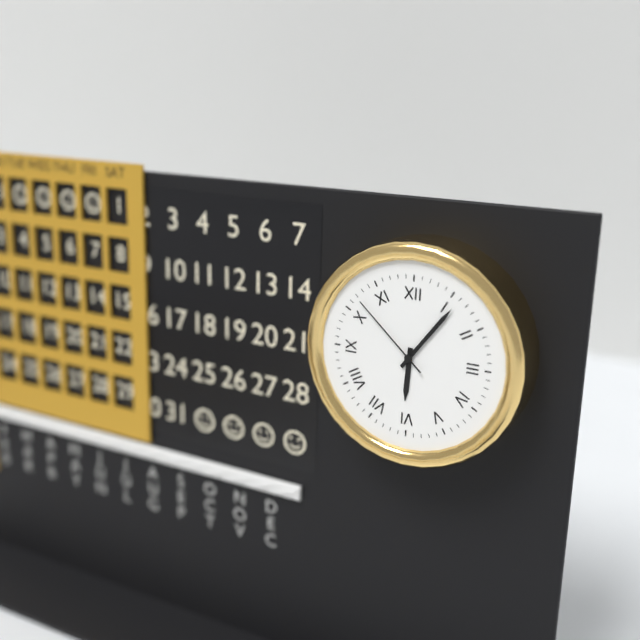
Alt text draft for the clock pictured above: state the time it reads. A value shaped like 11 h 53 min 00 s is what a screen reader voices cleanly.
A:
6 h 06 min 52 s
